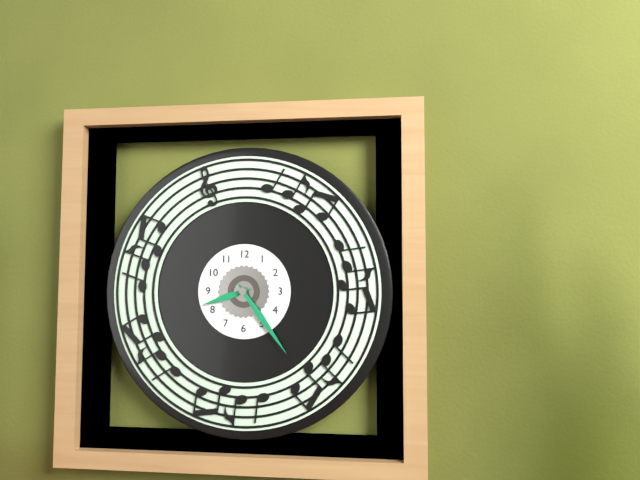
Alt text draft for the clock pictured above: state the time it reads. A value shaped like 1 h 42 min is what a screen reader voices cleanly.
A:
8 h 24 min
